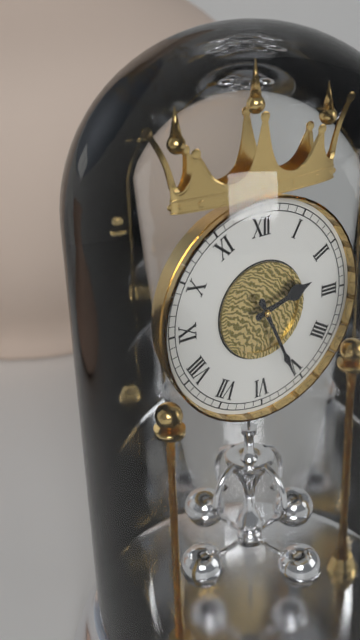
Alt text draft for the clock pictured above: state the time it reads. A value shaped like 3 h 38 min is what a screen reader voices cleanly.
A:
2 h 26 min
